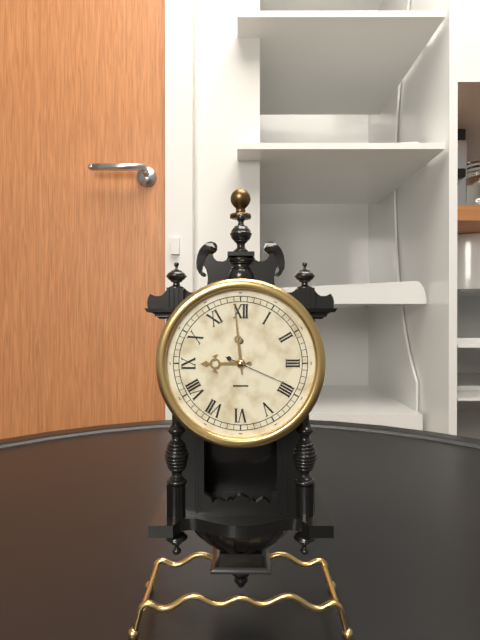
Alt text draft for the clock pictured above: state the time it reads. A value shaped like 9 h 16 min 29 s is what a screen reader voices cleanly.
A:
8 h 59 min 19 s
